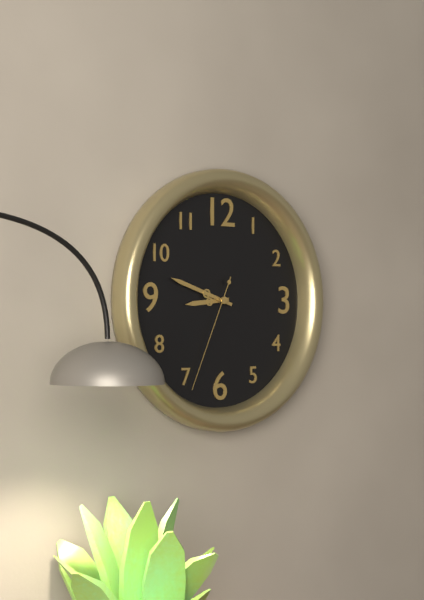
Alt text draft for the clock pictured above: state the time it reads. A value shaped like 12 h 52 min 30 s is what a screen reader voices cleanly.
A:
8 h 48 min 34 s
